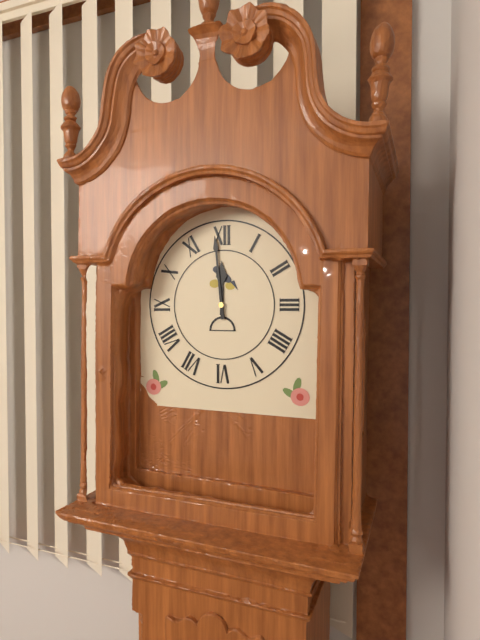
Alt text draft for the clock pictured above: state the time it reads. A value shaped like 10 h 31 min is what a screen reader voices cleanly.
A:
11 h 59 min
